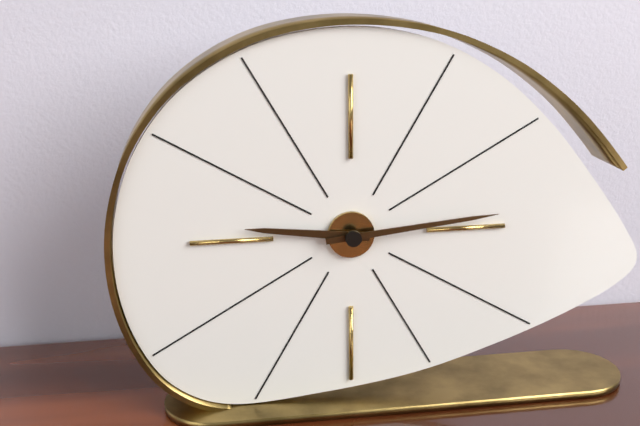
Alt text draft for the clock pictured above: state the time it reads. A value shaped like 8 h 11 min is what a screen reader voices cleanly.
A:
9 h 14 min
